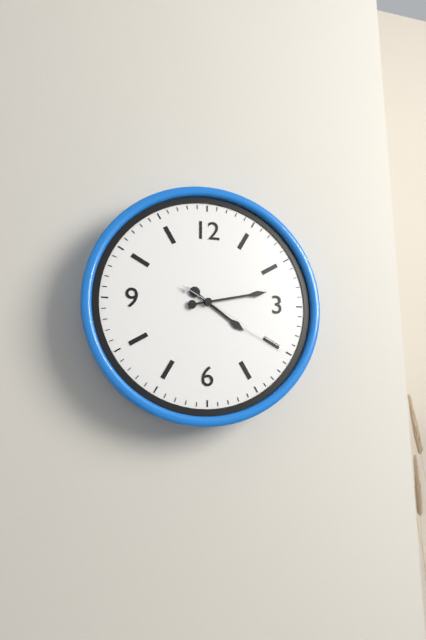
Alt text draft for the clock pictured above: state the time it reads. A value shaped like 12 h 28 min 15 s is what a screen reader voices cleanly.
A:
4 h 13 min 20 s
